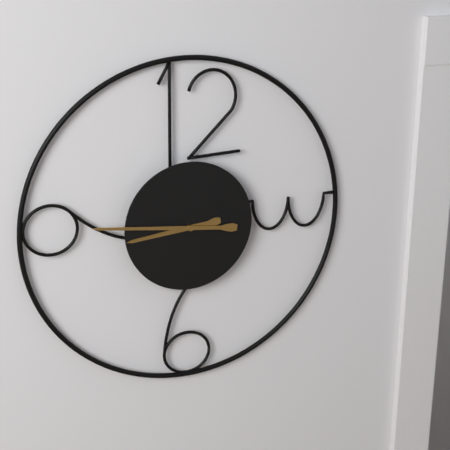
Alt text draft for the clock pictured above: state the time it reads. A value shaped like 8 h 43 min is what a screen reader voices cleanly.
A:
8 h 46 min
